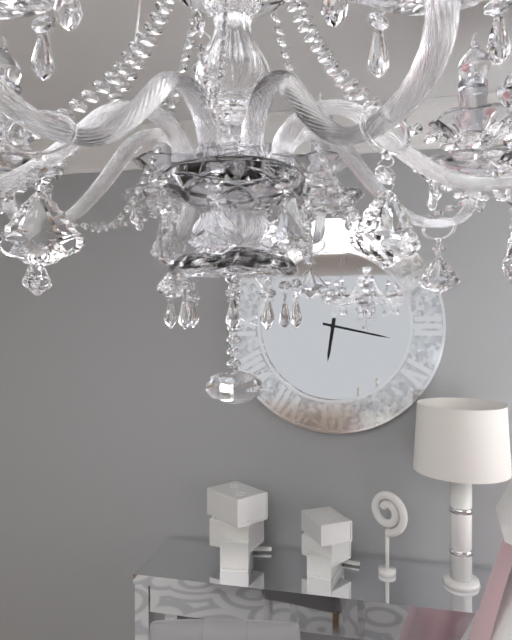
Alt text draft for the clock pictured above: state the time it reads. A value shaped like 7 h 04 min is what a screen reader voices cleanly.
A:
6 h 17 min
